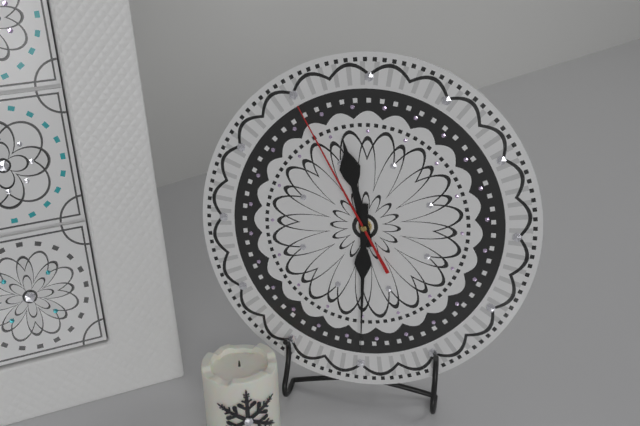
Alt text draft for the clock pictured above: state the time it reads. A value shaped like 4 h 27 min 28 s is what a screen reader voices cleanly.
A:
11 h 30 min 55 s
